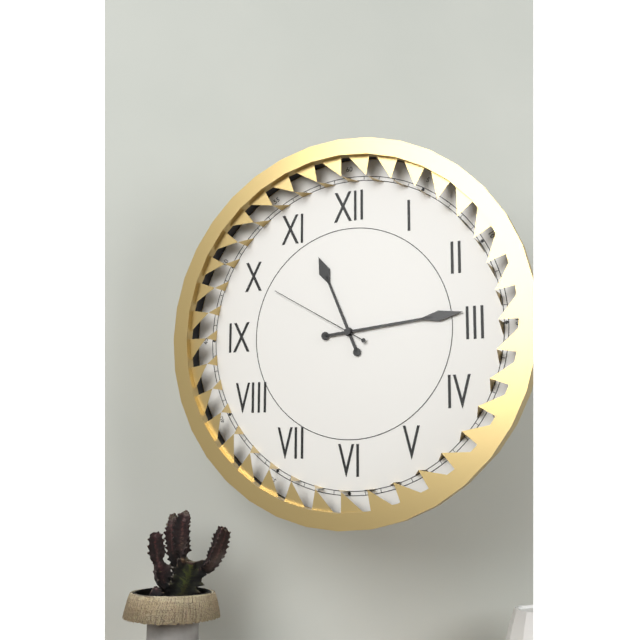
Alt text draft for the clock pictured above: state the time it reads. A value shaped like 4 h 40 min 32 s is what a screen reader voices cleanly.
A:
11 h 14 min 50 s
